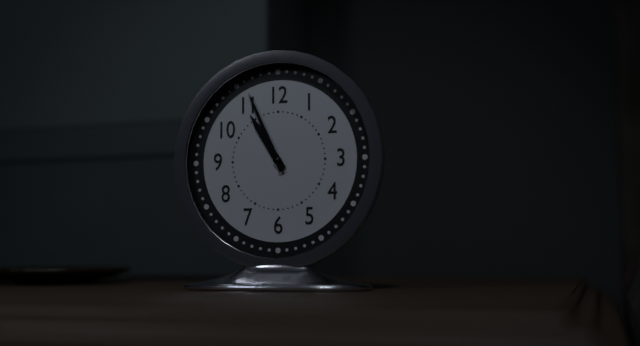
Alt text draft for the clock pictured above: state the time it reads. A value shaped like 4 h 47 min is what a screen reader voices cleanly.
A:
10 h 56 min
